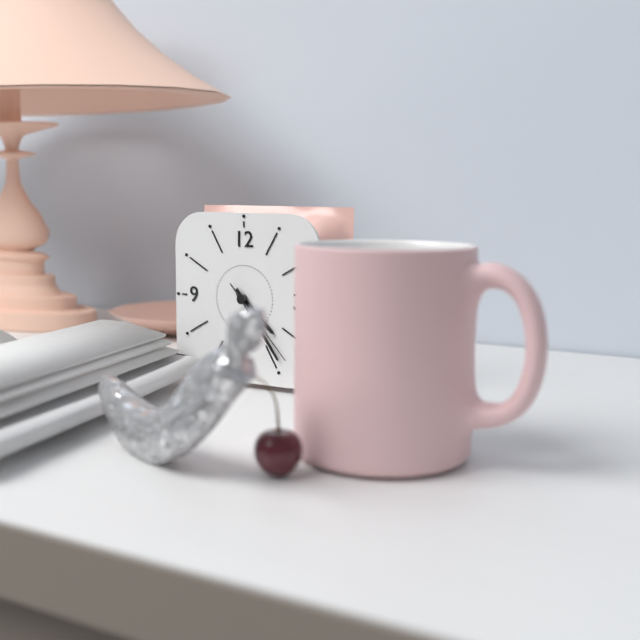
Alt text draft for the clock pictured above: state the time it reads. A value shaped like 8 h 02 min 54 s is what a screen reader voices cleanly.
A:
4 h 24 min 23 s
